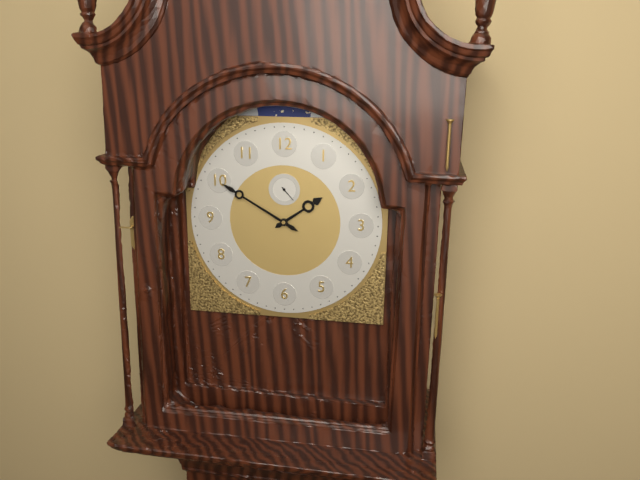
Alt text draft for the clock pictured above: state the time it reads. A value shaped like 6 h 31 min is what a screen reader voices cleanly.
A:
1 h 50 min
